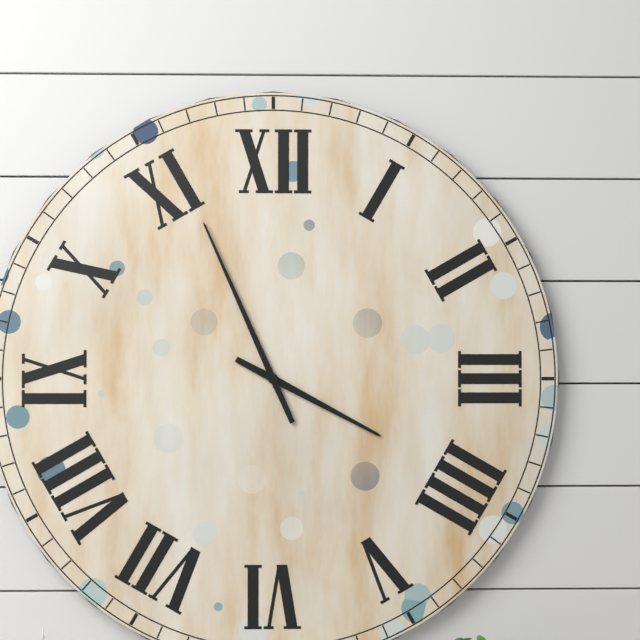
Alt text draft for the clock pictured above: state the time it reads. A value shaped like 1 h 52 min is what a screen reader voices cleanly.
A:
3 h 56 min
